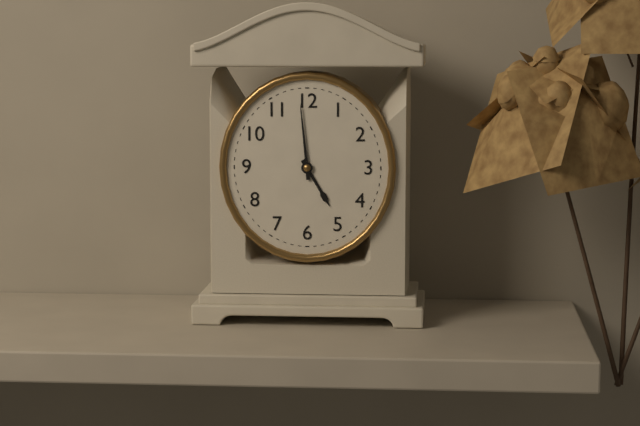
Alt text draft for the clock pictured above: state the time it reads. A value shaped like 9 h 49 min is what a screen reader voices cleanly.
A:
4 h 59 min
